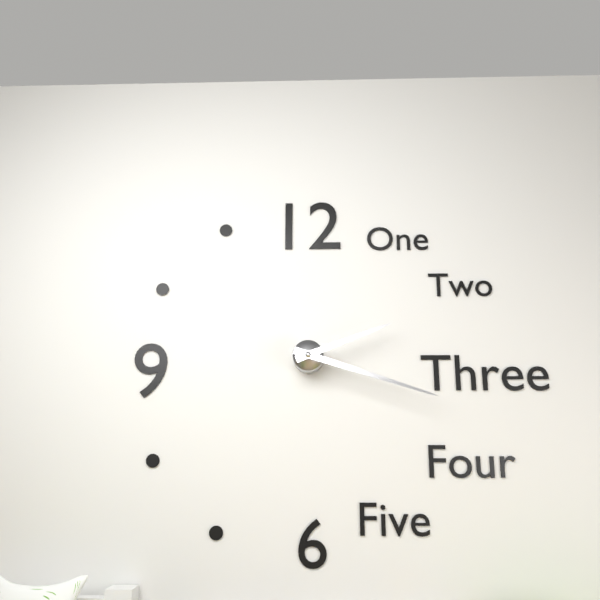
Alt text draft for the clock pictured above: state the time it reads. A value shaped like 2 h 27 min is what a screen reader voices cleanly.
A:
2 h 18 min
